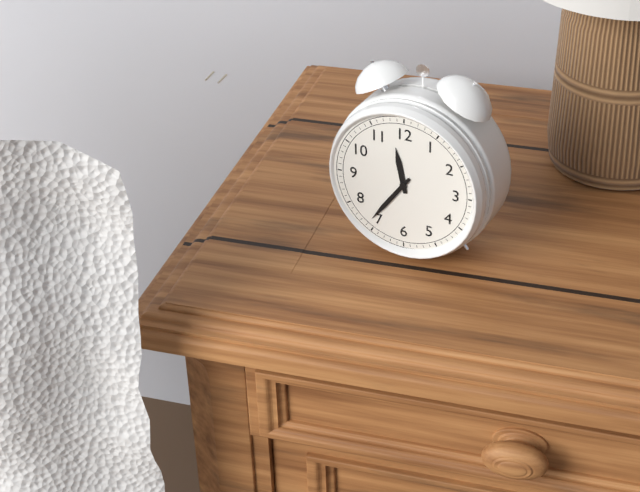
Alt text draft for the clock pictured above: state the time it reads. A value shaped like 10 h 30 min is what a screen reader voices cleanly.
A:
11 h 36 min
